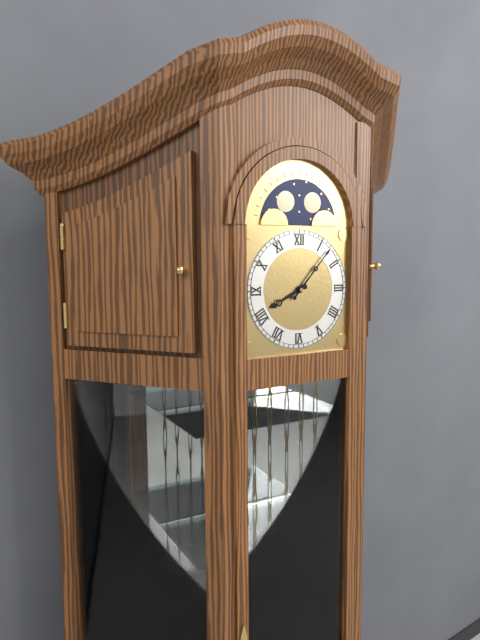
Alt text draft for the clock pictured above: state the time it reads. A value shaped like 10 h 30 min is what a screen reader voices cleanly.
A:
8 h 07 min
